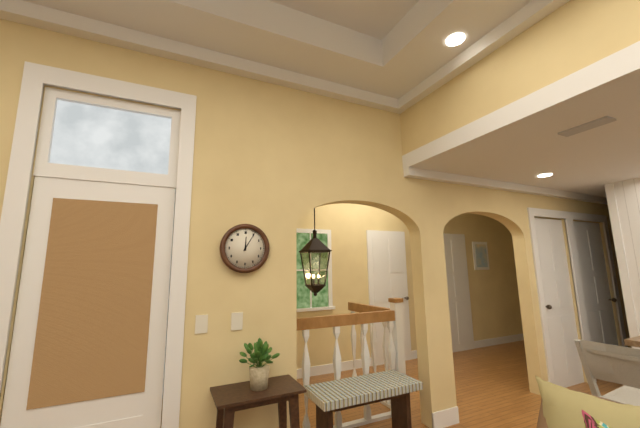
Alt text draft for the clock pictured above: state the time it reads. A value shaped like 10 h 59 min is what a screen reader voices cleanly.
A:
12 h 05 min
